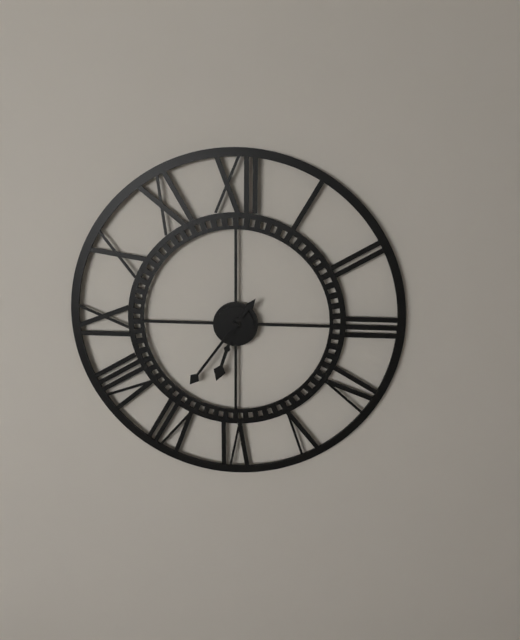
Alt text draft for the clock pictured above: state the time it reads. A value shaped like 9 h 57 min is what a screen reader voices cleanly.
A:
6 h 36 min
